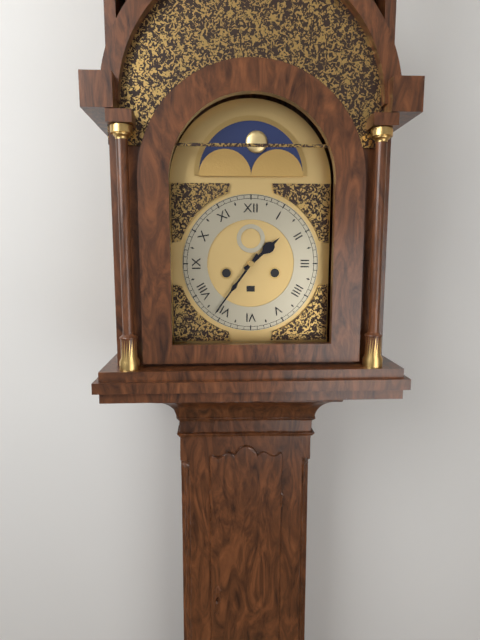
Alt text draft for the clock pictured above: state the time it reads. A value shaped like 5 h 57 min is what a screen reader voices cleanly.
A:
1 h 36 min
